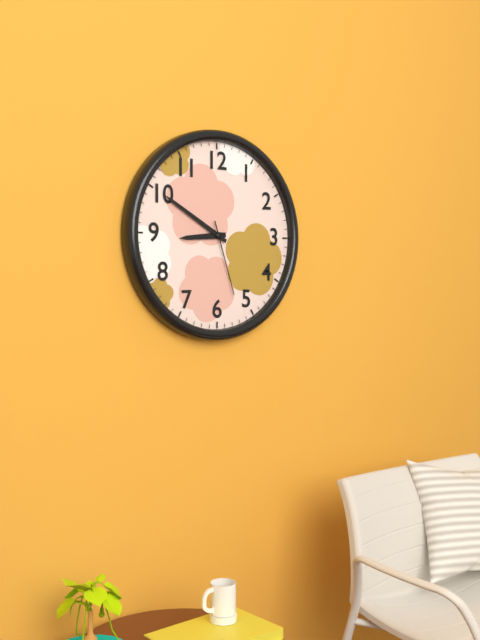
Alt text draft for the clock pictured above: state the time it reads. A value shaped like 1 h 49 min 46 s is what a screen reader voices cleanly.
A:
8 h 50 min 27 s
